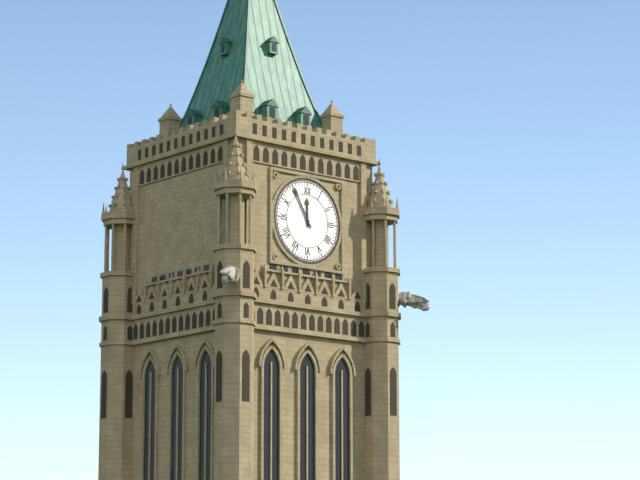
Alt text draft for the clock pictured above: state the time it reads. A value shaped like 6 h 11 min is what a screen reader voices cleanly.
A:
11 h 55 min
